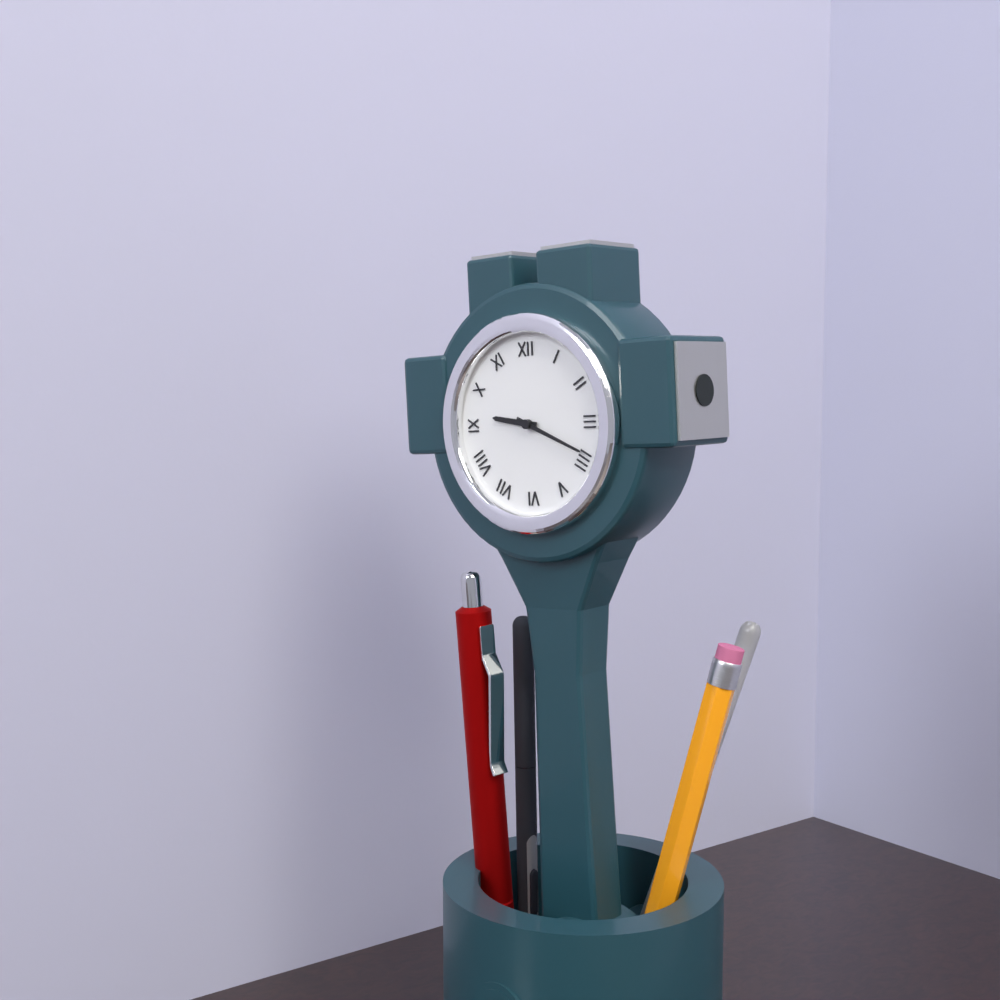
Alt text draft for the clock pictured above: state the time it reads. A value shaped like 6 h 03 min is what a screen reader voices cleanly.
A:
9 h 19 min
